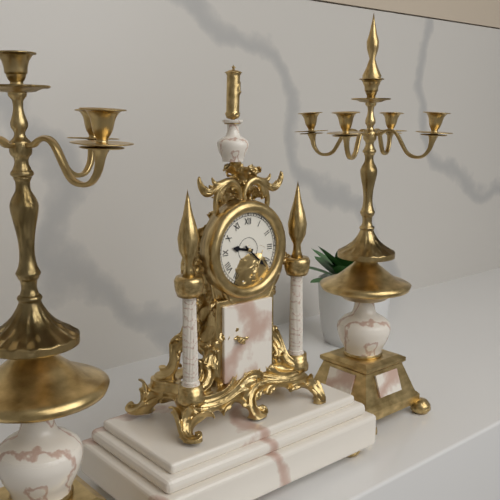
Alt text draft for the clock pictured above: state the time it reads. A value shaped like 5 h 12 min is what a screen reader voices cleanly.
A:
9 h 22 min
